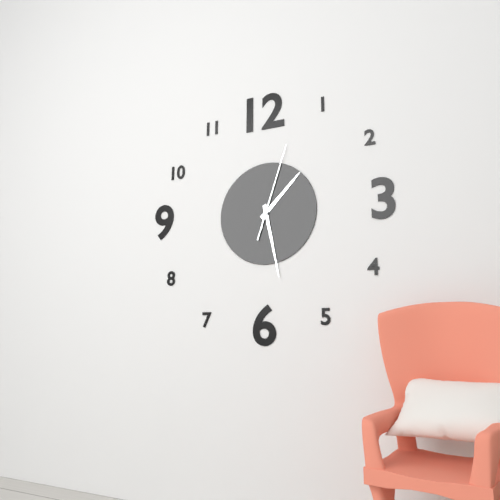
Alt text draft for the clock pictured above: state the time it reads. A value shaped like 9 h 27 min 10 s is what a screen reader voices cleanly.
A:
1 h 28 min 03 s
